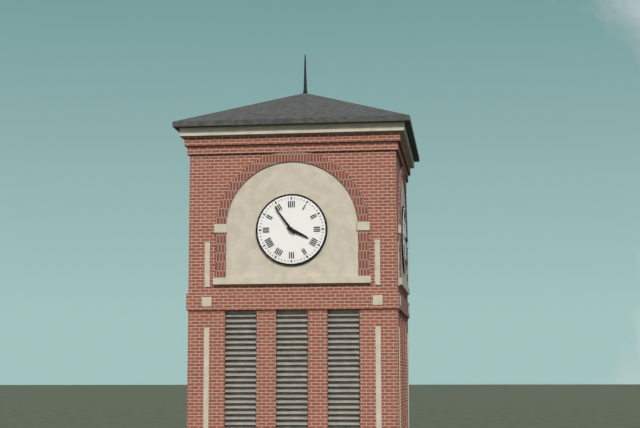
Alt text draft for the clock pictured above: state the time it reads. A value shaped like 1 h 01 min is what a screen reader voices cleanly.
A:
3 h 54 min
